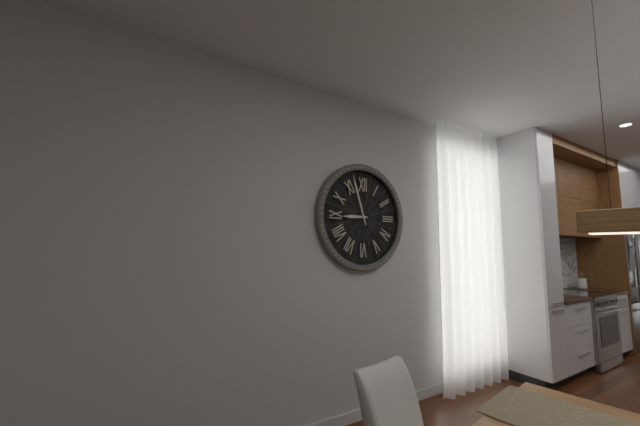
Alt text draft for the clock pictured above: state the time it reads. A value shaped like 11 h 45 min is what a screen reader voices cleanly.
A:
8 h 57 min
